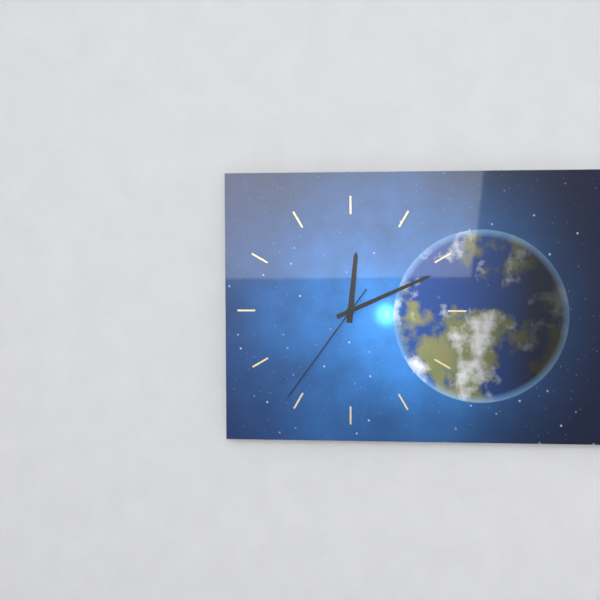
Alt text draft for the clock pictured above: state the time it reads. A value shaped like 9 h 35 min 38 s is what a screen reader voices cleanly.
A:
12 h 11 min 36 s
